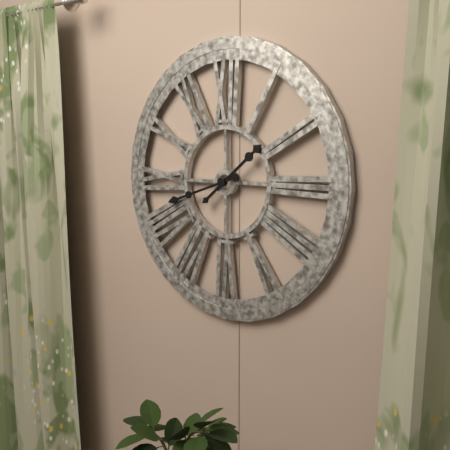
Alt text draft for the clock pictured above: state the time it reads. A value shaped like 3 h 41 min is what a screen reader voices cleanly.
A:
1 h 42 min
